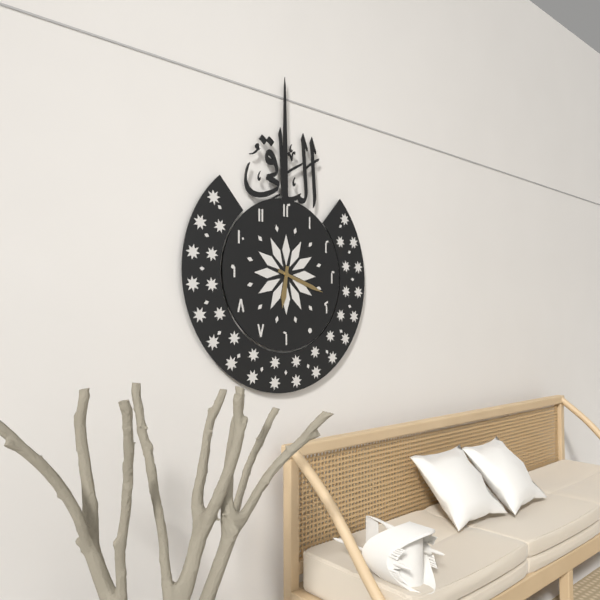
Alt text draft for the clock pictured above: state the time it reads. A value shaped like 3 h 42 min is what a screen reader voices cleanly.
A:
6 h 18 min
